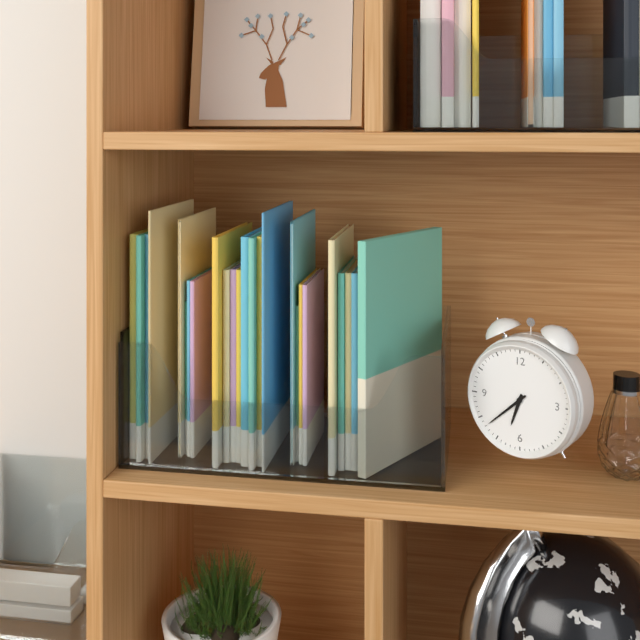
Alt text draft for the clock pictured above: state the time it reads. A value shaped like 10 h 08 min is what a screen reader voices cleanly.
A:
6 h 38 min
